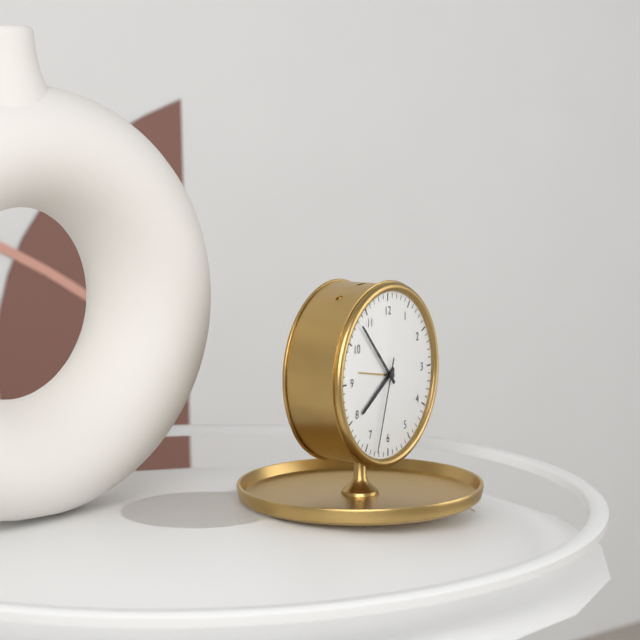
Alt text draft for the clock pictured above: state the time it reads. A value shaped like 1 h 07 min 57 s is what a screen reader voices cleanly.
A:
7 h 53 min 33 s
